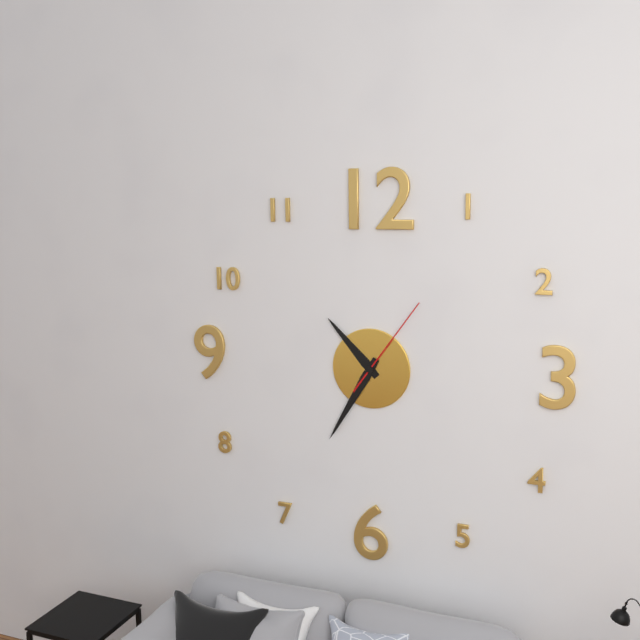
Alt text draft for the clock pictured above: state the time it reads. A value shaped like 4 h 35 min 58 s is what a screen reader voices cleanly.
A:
10 h 35 min 06 s
